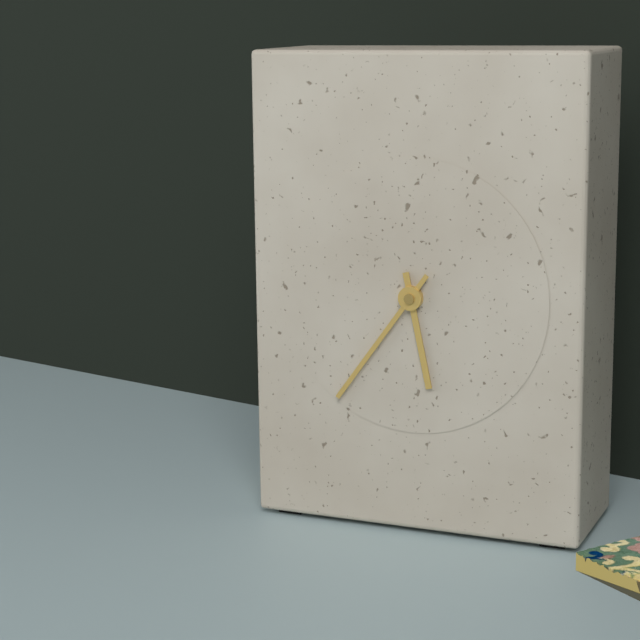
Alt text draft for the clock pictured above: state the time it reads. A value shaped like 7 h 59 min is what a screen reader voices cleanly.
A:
5 h 36 min
